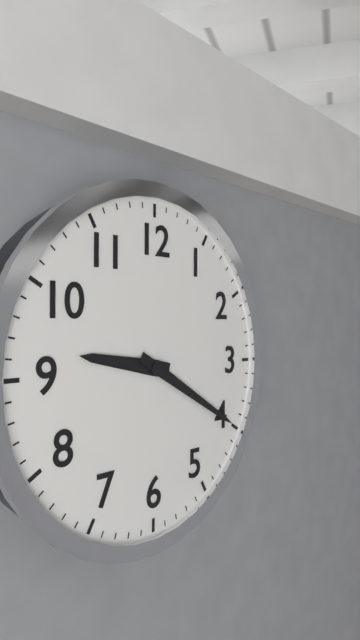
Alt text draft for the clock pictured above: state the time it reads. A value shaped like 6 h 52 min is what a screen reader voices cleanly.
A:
9 h 20 min
